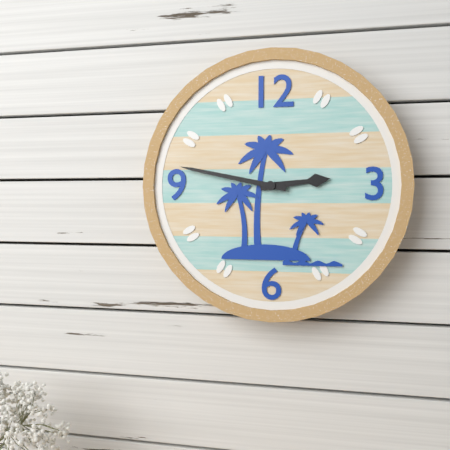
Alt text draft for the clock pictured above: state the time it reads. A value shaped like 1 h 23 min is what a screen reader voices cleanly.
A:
2 h 47 min
